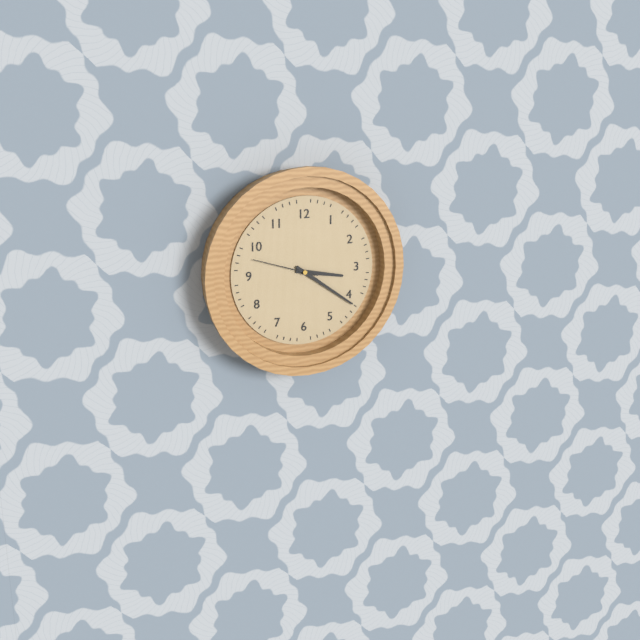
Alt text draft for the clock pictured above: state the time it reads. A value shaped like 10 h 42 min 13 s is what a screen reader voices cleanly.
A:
3 h 21 min 48 s
